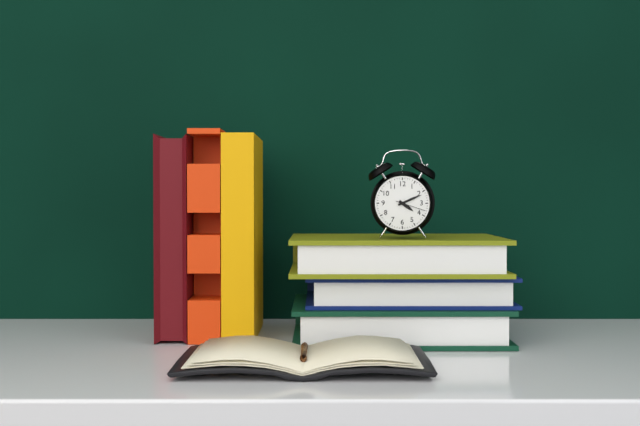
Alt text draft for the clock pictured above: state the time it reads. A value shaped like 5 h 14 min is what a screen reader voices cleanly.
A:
4 h 11 min
